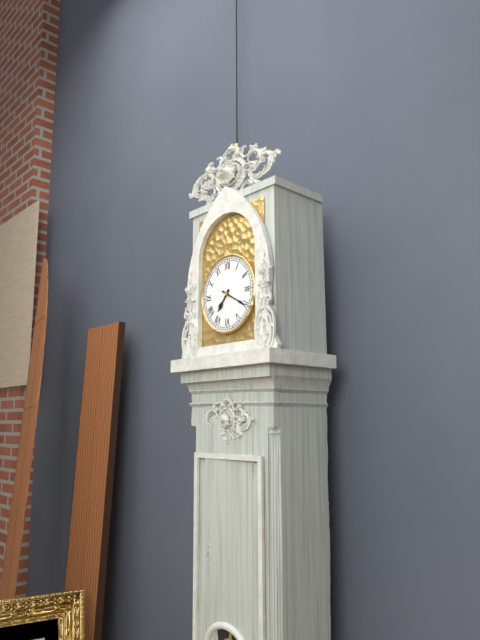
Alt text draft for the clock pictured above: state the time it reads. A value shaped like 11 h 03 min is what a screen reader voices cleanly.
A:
7 h 20 min
